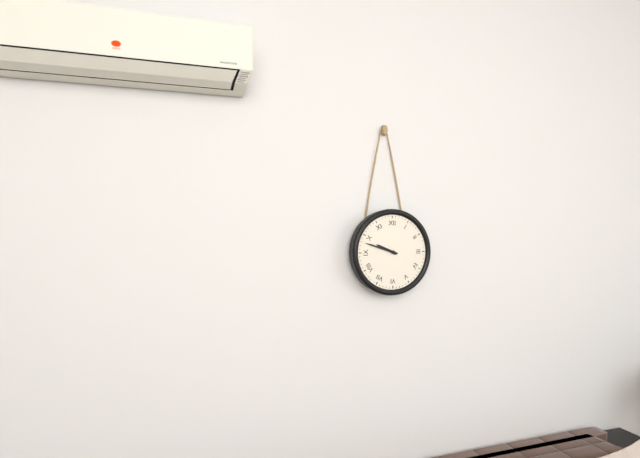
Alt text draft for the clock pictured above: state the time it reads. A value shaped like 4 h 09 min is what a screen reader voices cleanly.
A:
9 h 48 min
